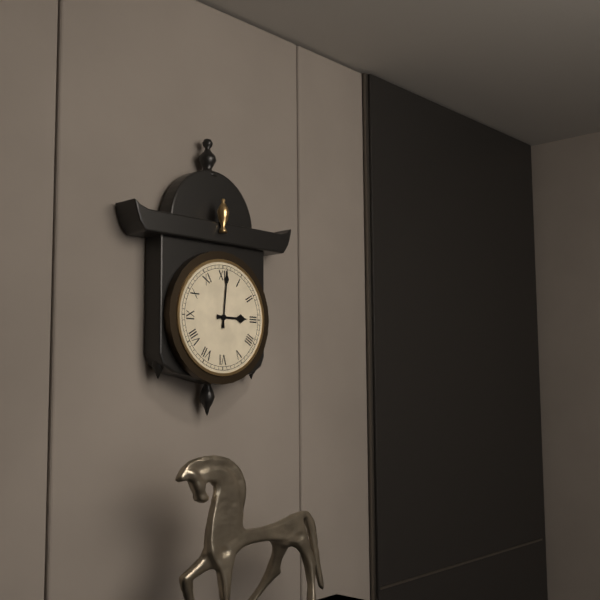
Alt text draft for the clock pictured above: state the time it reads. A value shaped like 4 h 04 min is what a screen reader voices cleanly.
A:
3 h 01 min
